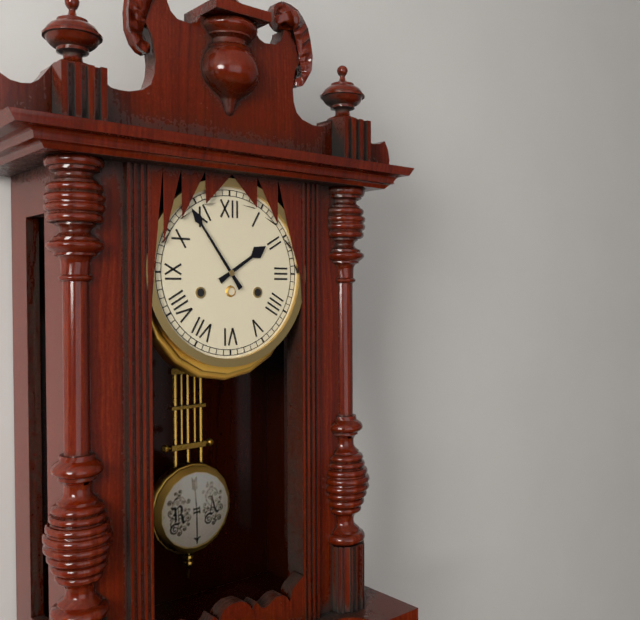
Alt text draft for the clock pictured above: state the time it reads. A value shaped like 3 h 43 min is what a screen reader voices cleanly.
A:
1 h 54 min
